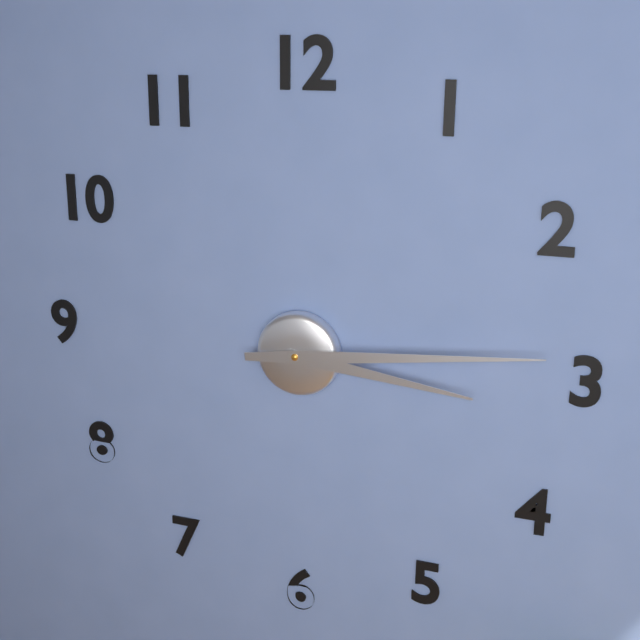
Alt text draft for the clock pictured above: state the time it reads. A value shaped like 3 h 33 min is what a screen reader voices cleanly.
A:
3 h 14 min
